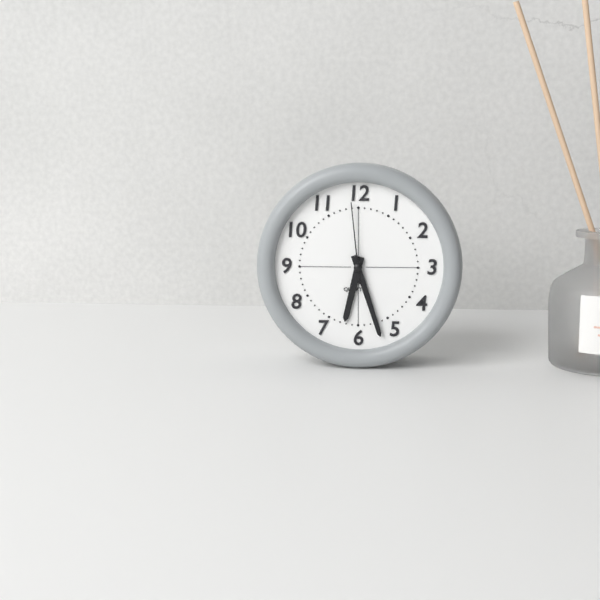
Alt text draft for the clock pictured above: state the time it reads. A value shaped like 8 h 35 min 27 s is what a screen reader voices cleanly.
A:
6 h 27 min 59 s
